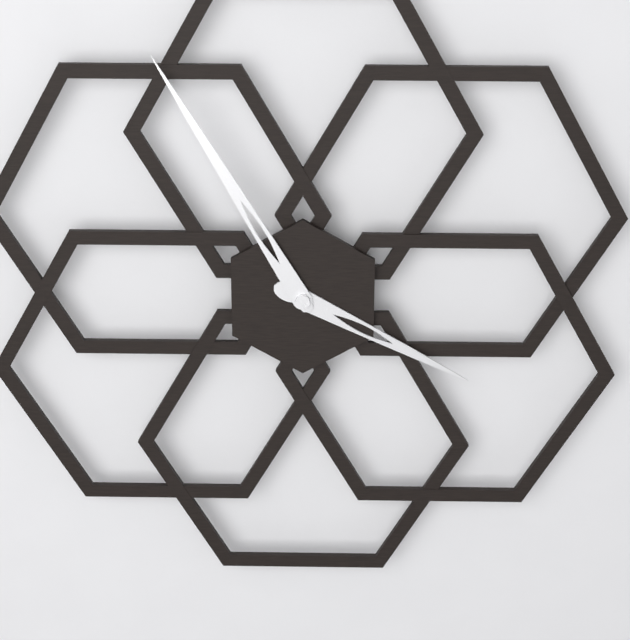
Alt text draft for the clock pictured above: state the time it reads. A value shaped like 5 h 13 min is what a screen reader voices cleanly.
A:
3 h 55 min
